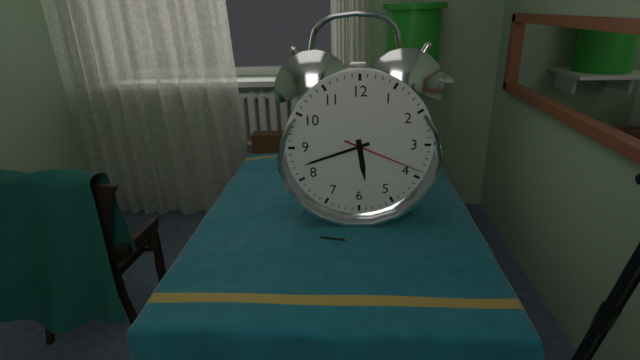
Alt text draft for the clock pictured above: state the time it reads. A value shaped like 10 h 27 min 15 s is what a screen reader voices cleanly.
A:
5 h 42 min 19 s
